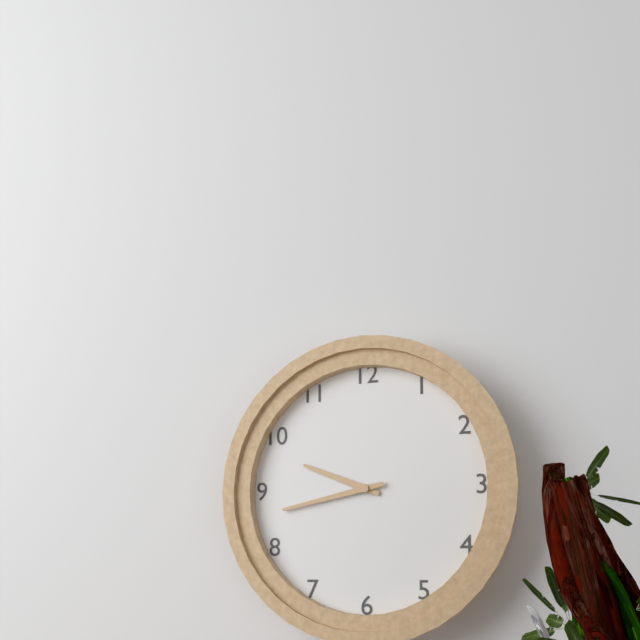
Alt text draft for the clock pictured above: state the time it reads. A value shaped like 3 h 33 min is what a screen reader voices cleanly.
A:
9 h 43 min
